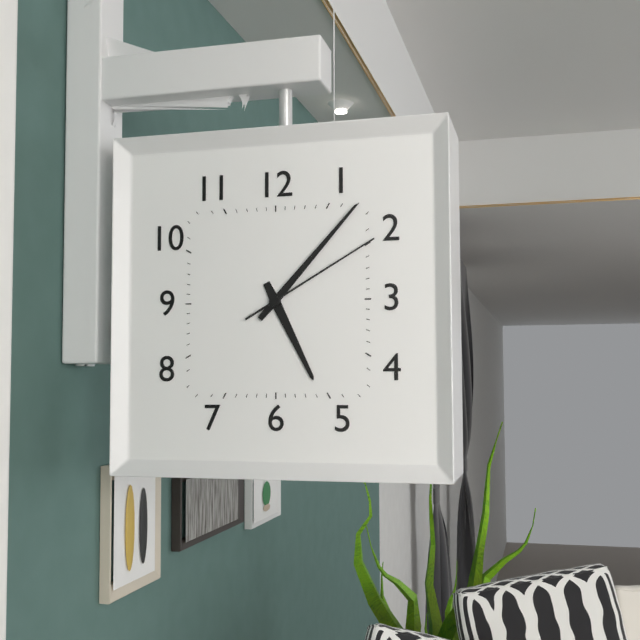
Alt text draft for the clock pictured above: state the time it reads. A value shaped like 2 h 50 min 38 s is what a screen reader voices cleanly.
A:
5 h 07 min 10 s
